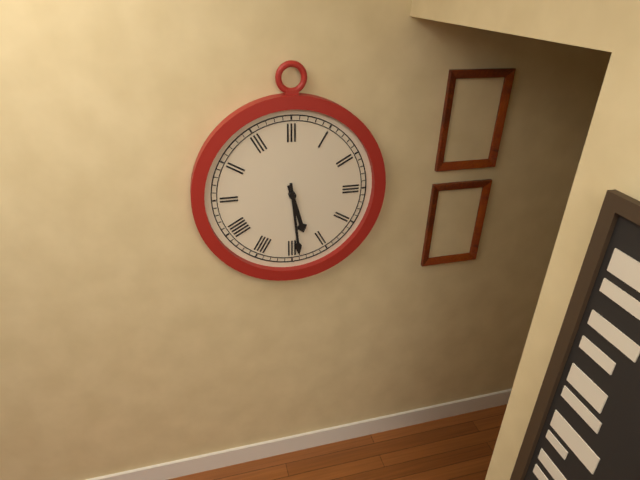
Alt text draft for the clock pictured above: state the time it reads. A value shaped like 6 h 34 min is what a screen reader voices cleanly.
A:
5 h 29 min
